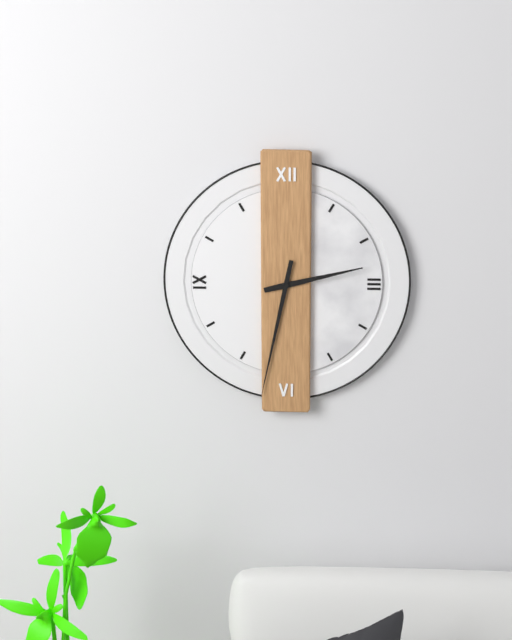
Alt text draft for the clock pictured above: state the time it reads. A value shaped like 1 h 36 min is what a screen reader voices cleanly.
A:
2 h 32 min
